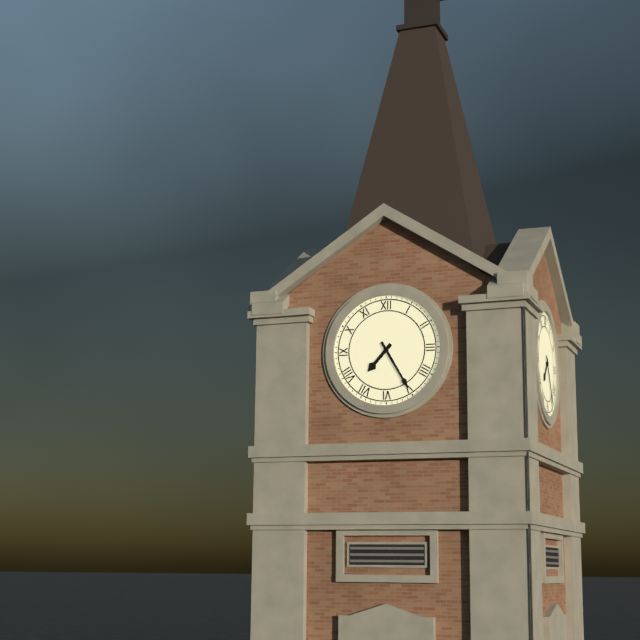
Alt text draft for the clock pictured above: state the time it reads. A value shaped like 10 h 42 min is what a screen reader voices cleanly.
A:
7 h 25 min
